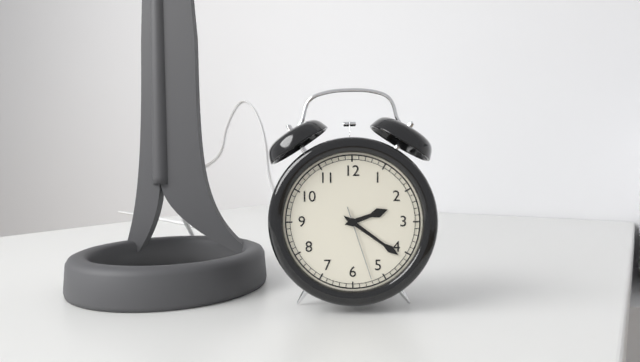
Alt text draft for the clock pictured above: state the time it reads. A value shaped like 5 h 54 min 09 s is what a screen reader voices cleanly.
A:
2 h 21 min 27 s
